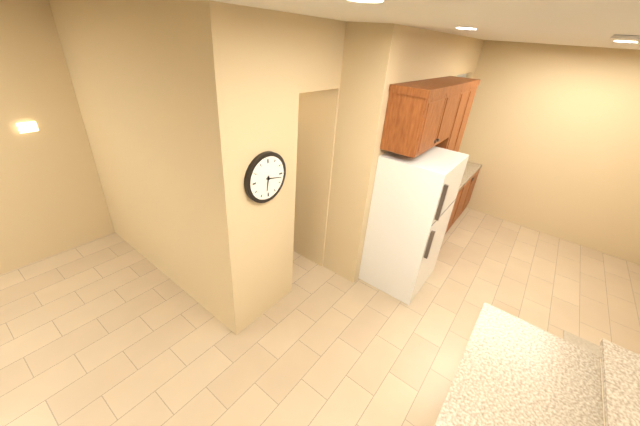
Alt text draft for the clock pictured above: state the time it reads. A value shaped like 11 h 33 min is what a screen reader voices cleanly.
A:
6 h 17 min
